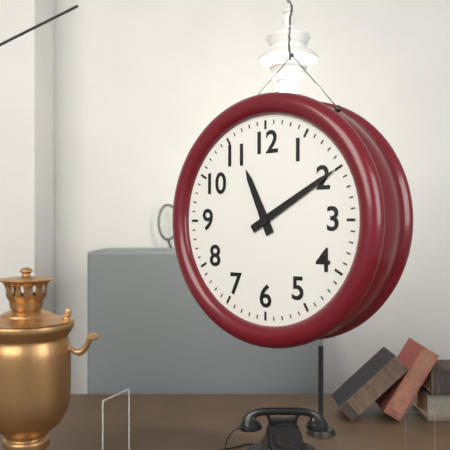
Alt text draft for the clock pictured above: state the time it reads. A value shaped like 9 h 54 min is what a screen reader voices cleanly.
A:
11 h 10 min
